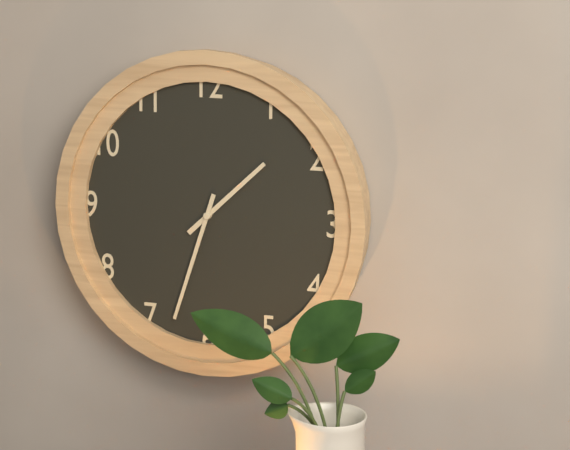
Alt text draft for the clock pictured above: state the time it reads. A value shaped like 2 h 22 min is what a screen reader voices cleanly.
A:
1 h 33 min
